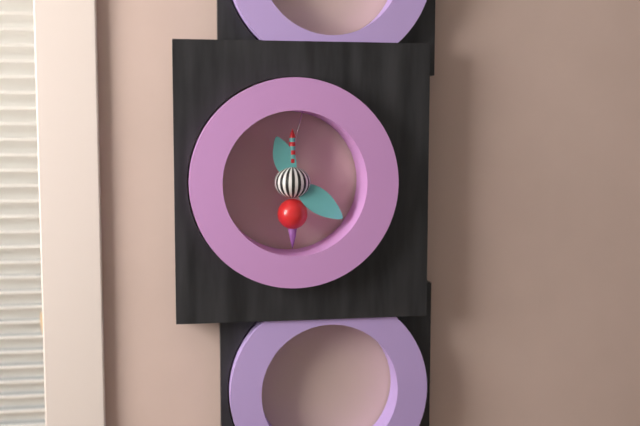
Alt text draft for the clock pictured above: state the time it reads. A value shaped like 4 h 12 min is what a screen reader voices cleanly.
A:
11 h 21 min
